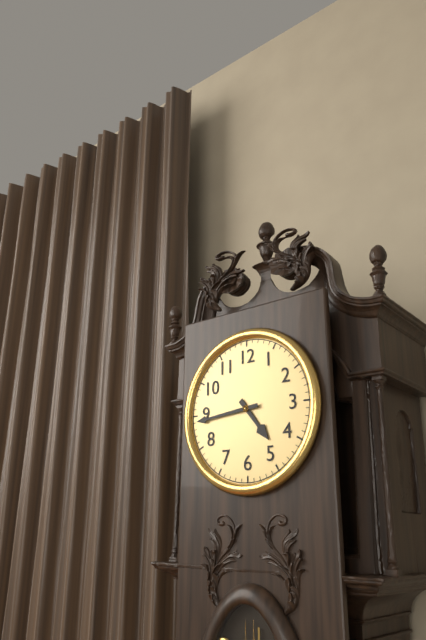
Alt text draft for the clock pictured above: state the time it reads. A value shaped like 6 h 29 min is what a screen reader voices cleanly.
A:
4 h 44 min
